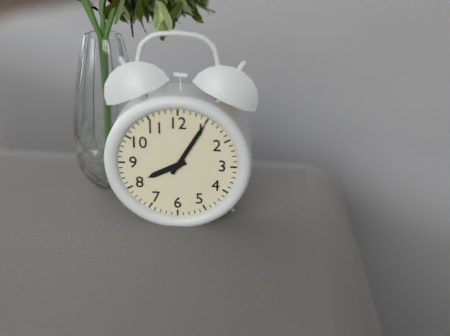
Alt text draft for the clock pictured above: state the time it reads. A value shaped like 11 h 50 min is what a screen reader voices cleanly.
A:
8 h 05 min
